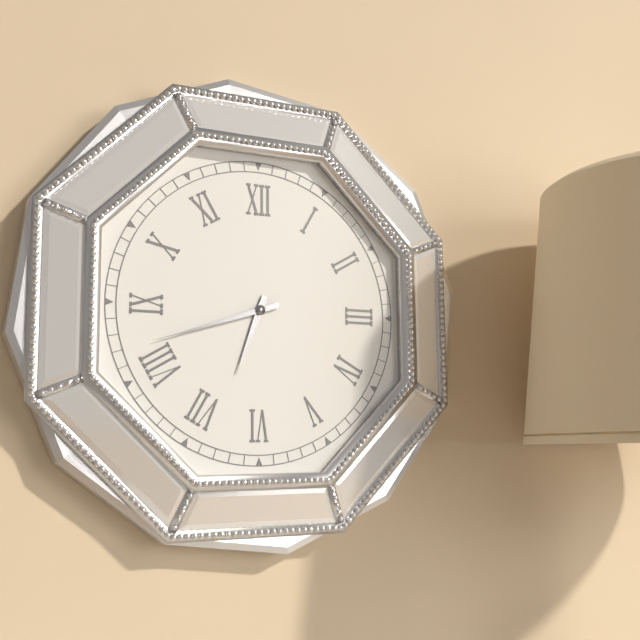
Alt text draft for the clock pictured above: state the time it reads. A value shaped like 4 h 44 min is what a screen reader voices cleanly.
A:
6 h 42 min
